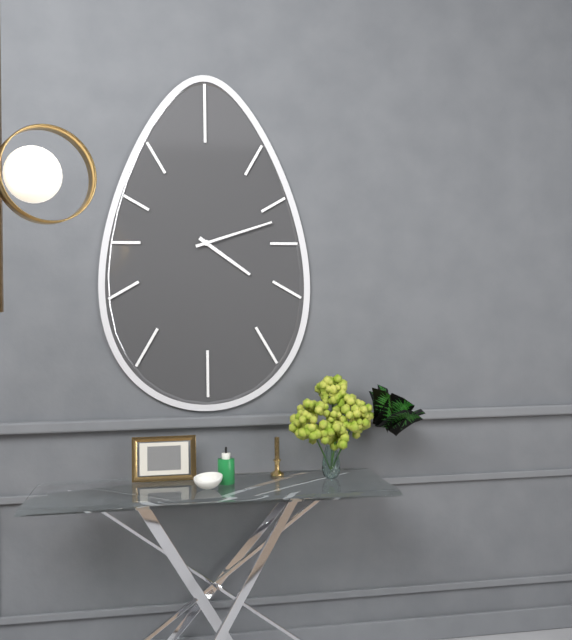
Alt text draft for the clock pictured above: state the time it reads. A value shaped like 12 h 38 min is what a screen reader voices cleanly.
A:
4 h 12 min
